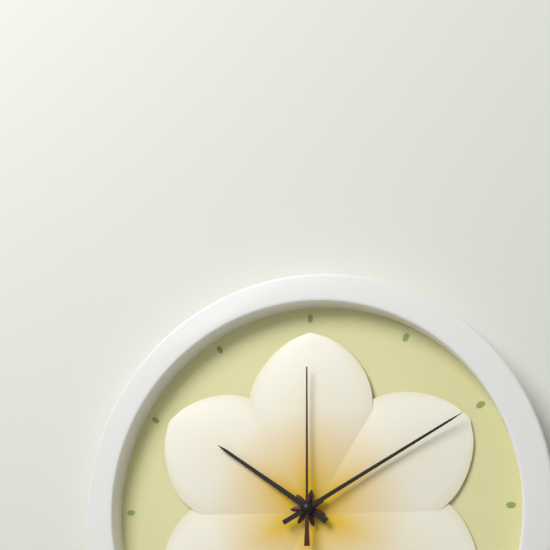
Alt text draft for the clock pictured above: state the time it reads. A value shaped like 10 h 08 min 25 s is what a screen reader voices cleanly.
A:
10 h 10 min 00 s
